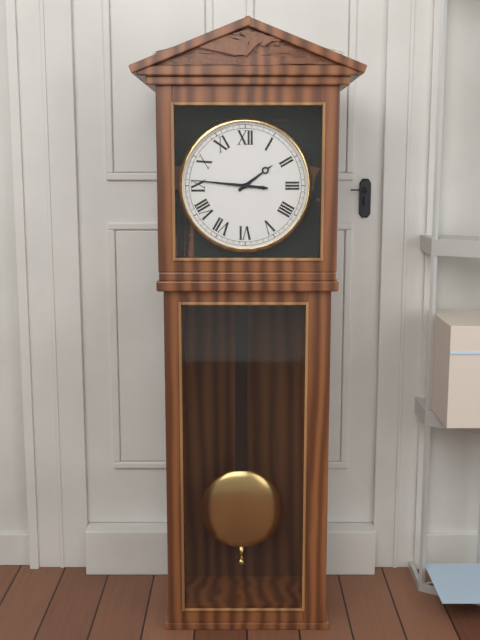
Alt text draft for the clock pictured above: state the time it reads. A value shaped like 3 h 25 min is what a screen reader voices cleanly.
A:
1 h 46 min
